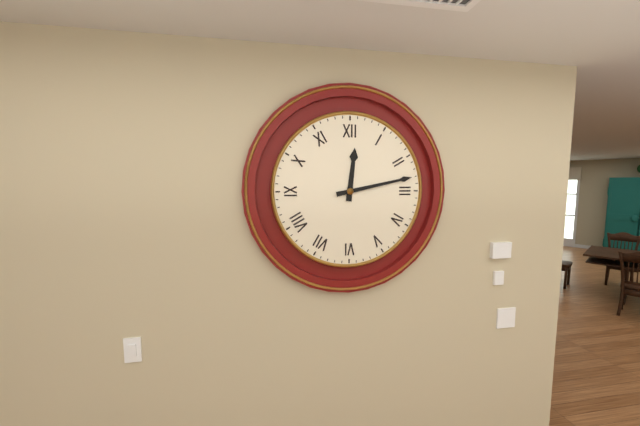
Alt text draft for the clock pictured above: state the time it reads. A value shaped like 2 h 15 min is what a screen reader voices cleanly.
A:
12 h 13 min
